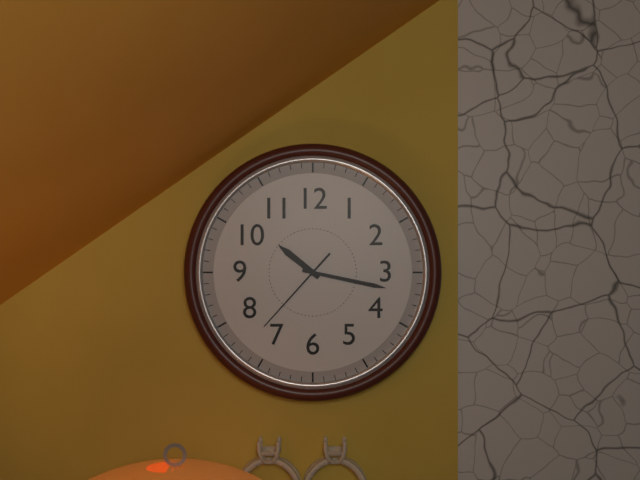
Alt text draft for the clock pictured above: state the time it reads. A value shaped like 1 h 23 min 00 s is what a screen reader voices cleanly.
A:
10 h 17 min 37 s
